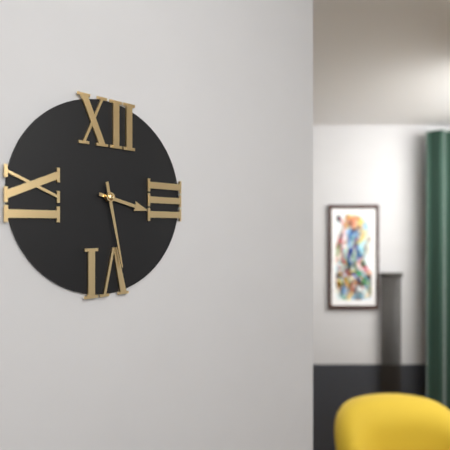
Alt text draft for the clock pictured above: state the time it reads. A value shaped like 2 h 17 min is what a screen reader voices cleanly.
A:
3 h 28 min
